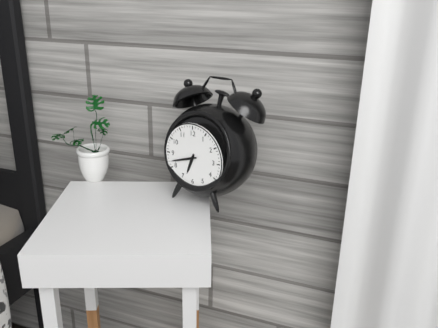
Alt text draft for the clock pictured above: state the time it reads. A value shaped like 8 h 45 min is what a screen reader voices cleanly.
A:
6 h 42 min
